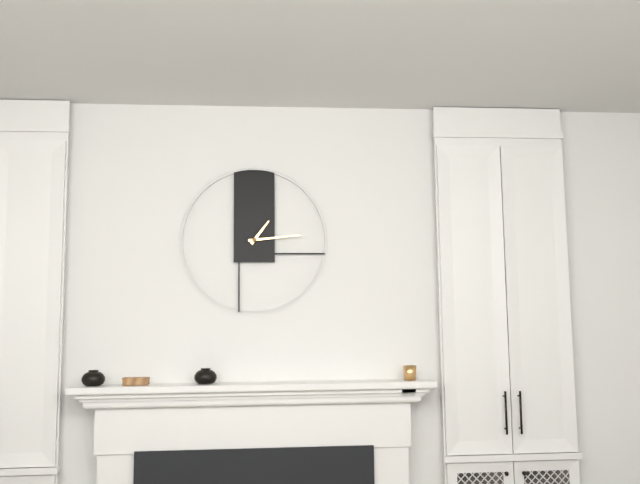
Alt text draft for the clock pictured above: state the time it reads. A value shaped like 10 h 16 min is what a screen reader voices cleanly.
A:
1 h 14 min
